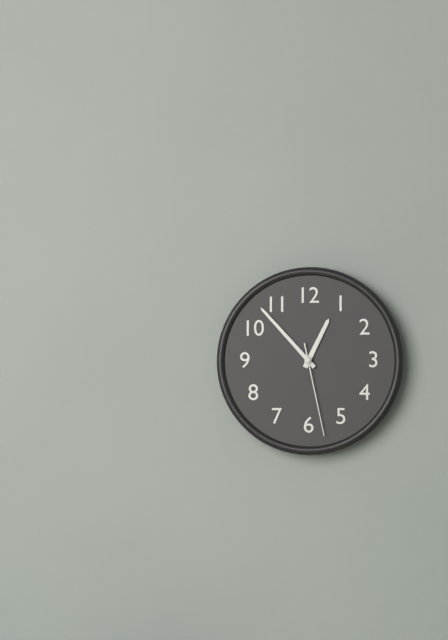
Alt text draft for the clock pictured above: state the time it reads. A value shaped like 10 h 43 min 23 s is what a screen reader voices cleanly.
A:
12 h 53 min 28 s
